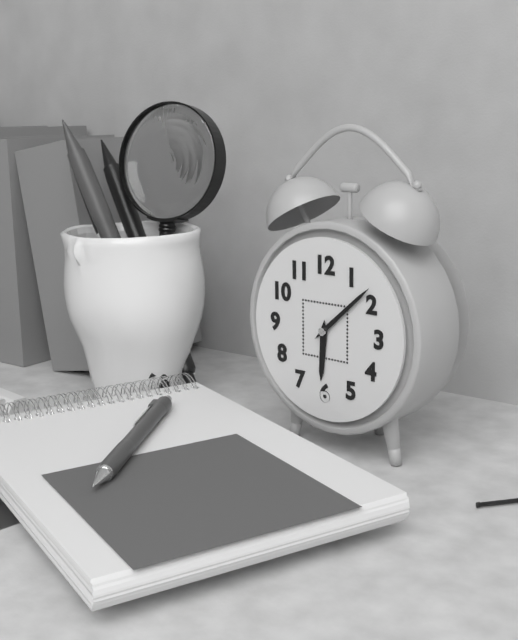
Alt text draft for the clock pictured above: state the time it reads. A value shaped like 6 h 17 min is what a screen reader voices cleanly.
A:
6 h 08 min
